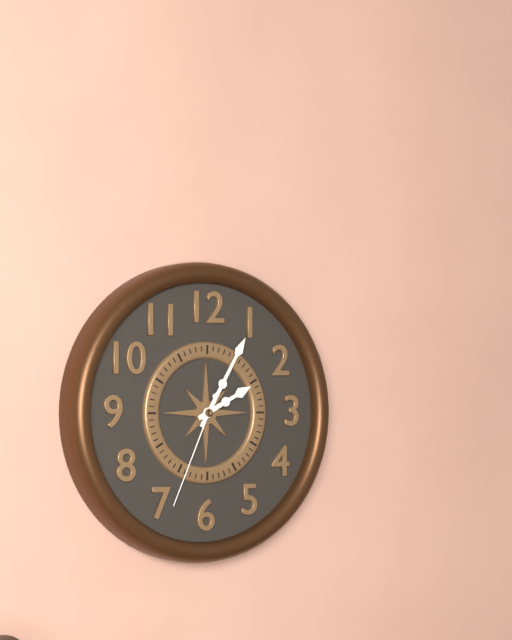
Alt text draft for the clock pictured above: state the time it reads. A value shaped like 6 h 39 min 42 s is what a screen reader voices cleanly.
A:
2 h 05 min 34 s
